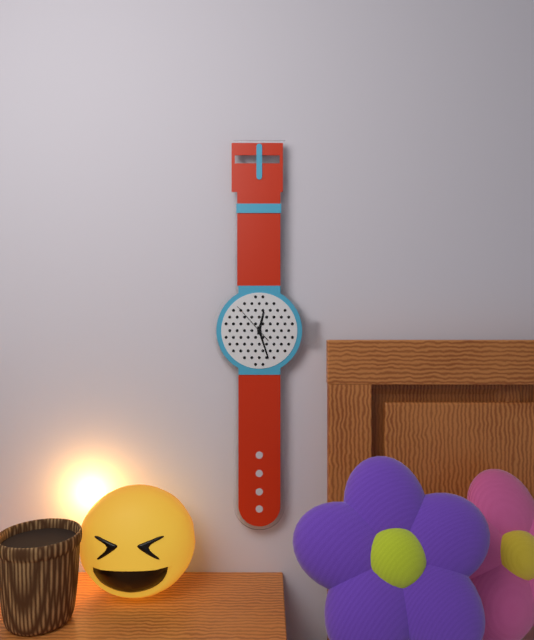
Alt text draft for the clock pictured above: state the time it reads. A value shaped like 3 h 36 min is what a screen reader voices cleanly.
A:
12 h 27 min
